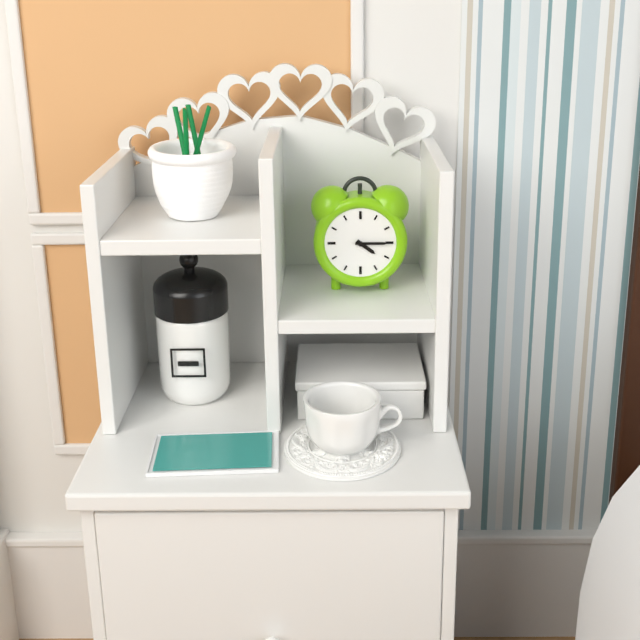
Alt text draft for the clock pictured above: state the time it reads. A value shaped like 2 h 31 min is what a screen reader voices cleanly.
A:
4 h 15 min
